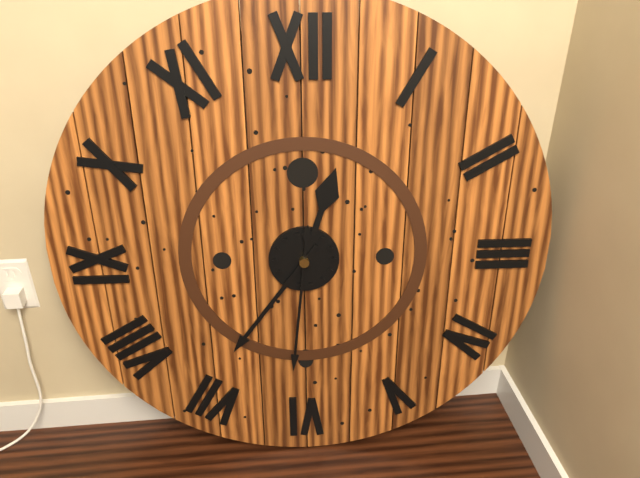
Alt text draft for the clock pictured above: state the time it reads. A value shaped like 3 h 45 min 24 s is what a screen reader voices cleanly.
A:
12 h 36 min 31 s
